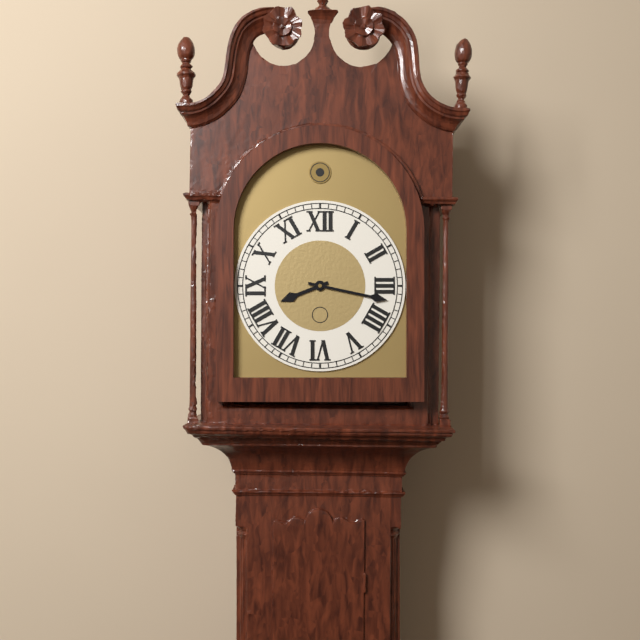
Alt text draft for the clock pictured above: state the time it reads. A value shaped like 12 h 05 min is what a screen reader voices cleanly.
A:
8 h 17 min
